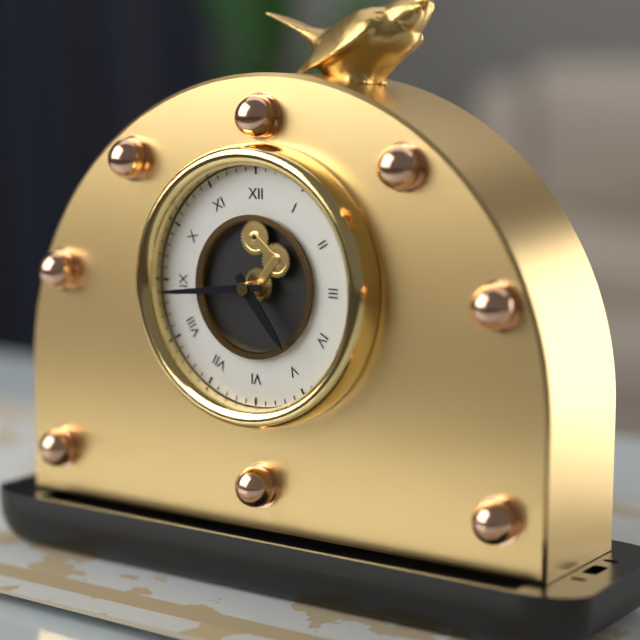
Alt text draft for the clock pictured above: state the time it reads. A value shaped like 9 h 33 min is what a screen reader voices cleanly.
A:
4 h 44 min
